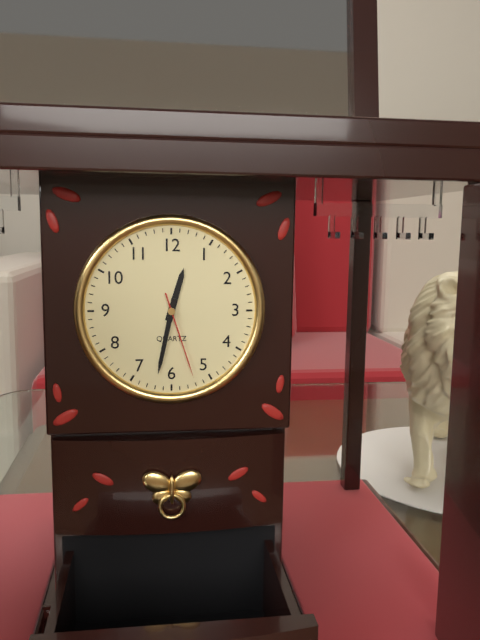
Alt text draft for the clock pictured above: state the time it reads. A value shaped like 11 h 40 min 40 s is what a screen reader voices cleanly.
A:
12 h 32 min 27 s
